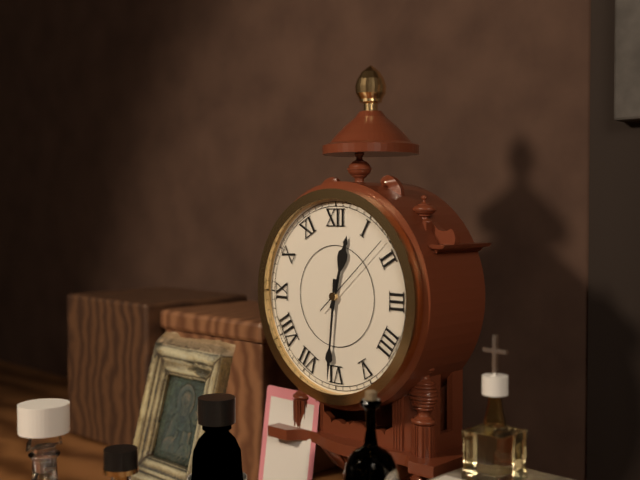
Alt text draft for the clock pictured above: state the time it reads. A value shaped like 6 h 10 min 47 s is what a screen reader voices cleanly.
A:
12 h 31 min 08 s
